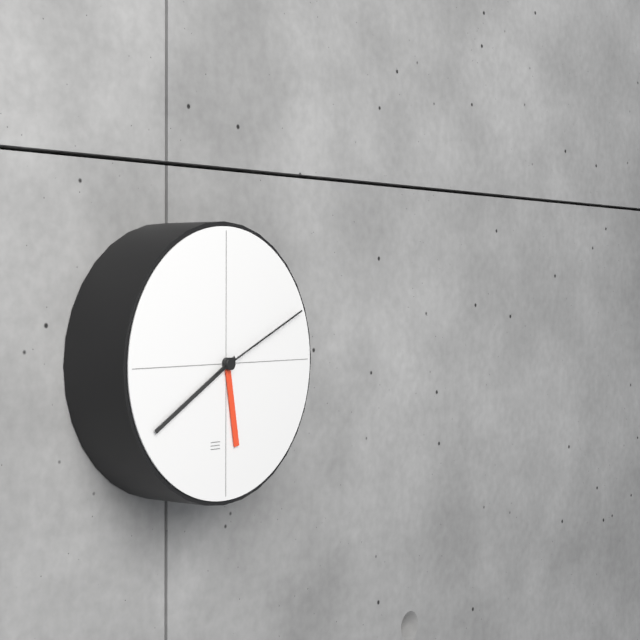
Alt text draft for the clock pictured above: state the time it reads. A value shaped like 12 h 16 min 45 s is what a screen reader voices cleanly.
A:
5 h 40 min 11 s
